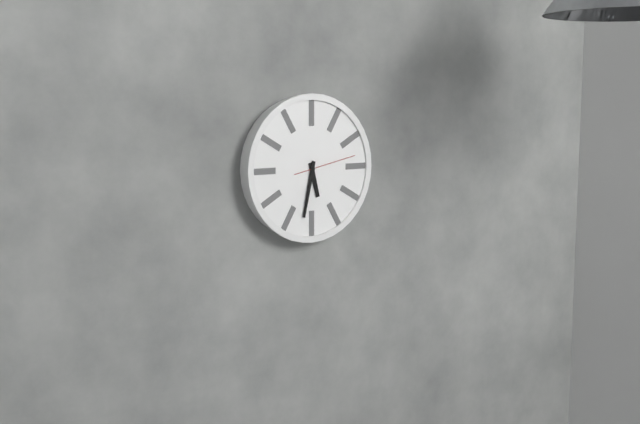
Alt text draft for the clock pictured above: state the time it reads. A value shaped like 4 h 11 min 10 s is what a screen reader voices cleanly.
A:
5 h 32 min 13 s
